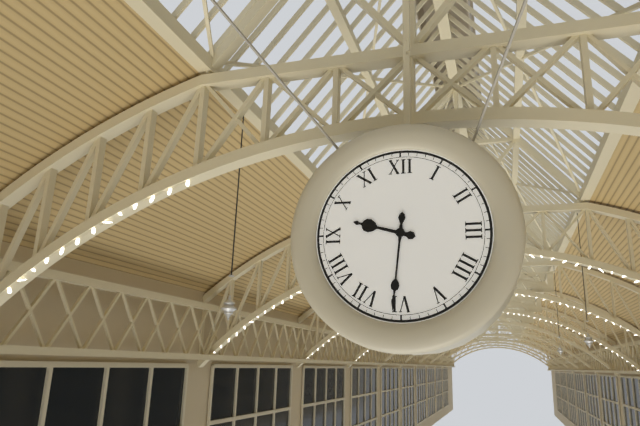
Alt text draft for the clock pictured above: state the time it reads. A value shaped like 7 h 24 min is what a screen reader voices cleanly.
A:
9 h 31 min
